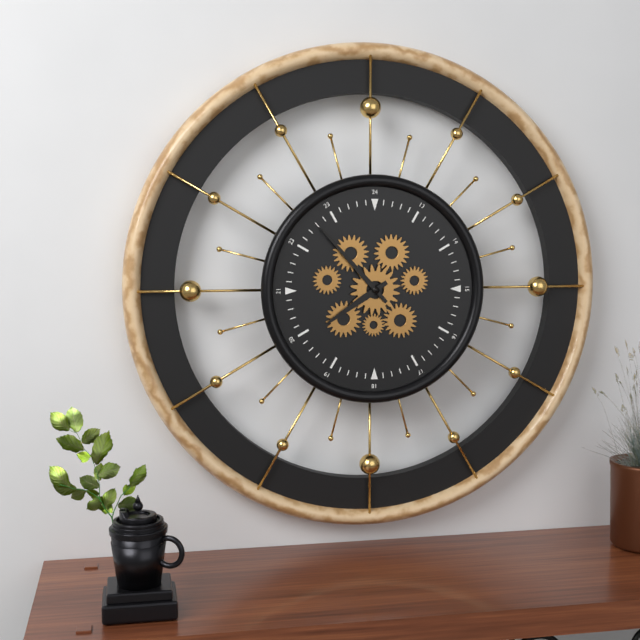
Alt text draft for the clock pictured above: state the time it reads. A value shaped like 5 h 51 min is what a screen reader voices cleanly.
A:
7 h 53 min
